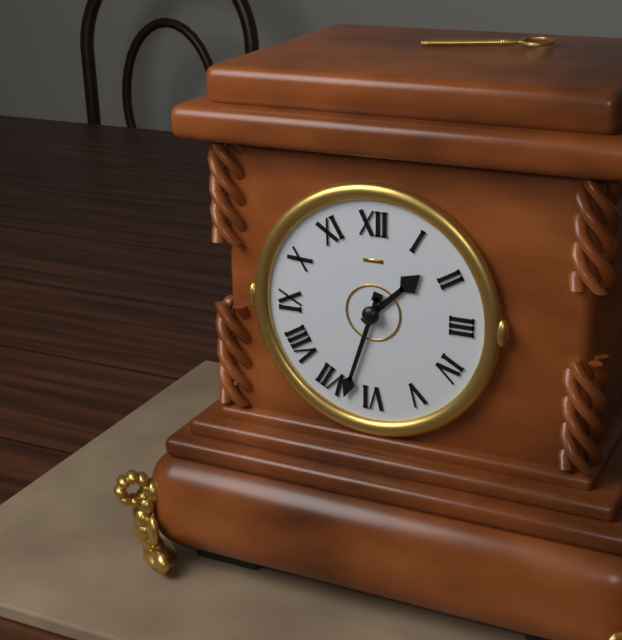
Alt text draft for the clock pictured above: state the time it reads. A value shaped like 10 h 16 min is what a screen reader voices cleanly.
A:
1 h 33 min
